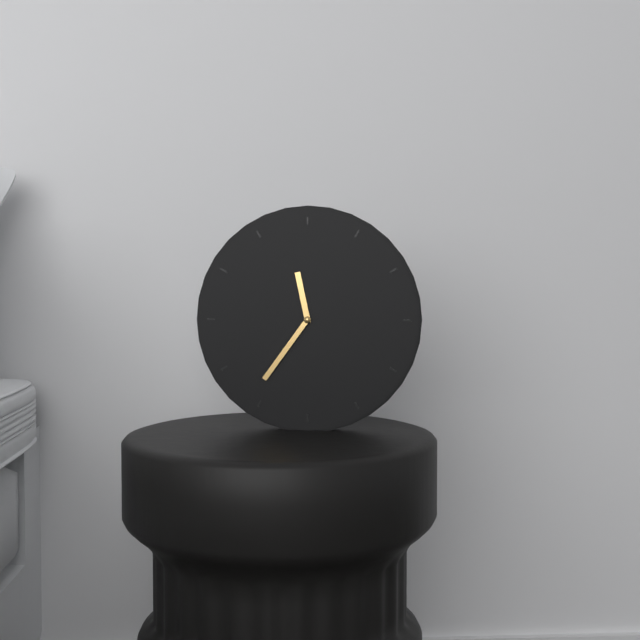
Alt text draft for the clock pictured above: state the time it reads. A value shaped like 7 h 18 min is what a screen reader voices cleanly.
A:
11 h 36 min
